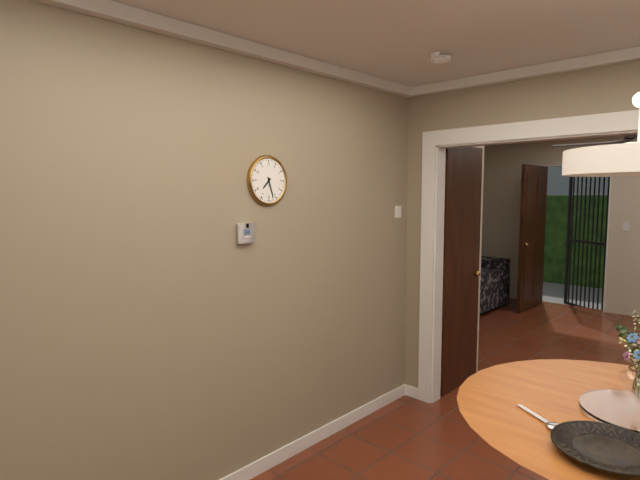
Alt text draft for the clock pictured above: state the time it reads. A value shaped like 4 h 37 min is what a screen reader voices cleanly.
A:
7 h 27 min
